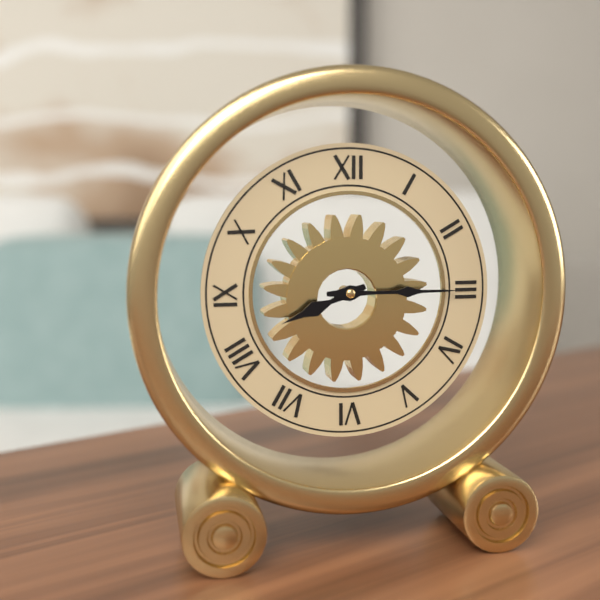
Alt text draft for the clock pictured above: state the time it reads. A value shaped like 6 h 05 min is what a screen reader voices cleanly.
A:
8 h 15 min
